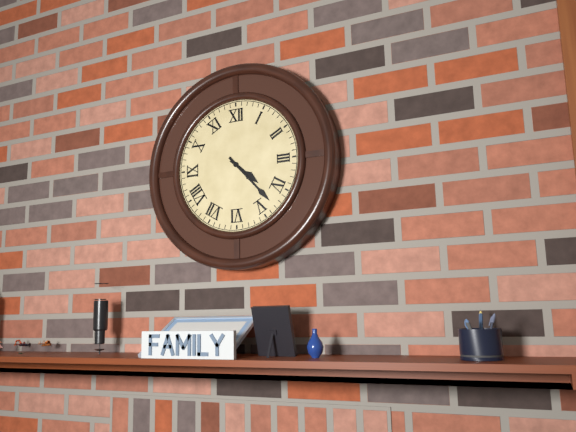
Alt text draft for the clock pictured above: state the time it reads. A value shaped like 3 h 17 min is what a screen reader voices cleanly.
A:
4 h 23 min
